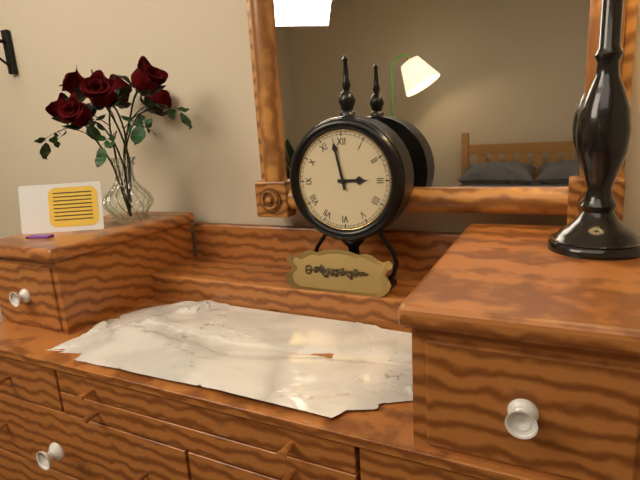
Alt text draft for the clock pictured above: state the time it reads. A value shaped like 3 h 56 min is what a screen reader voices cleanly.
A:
2 h 58 min
